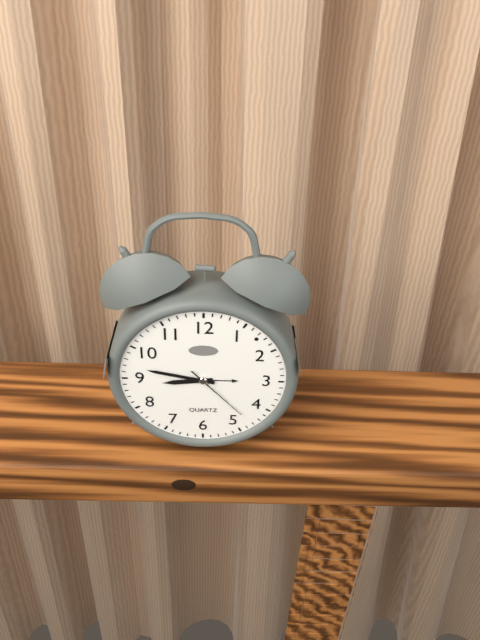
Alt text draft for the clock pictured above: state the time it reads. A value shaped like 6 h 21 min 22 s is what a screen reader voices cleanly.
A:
8 h 47 min 23 s
